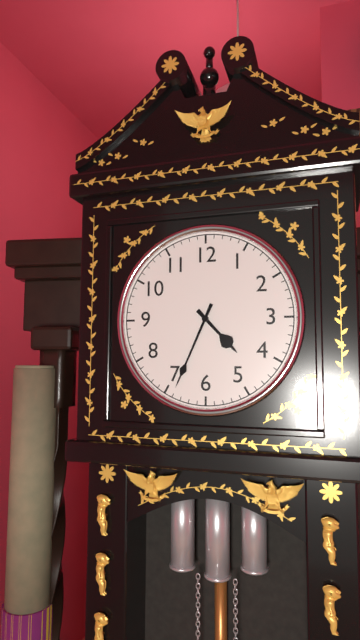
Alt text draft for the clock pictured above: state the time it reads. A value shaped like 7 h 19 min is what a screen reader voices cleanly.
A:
4 h 34 min
